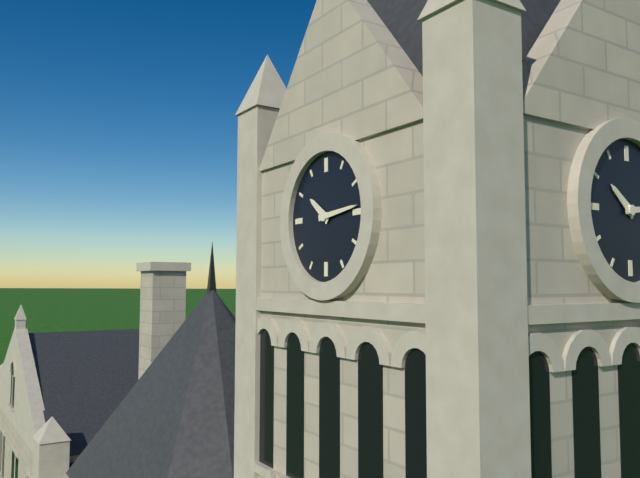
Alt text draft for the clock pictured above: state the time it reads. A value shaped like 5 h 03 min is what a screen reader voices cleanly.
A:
10 h 14 min
